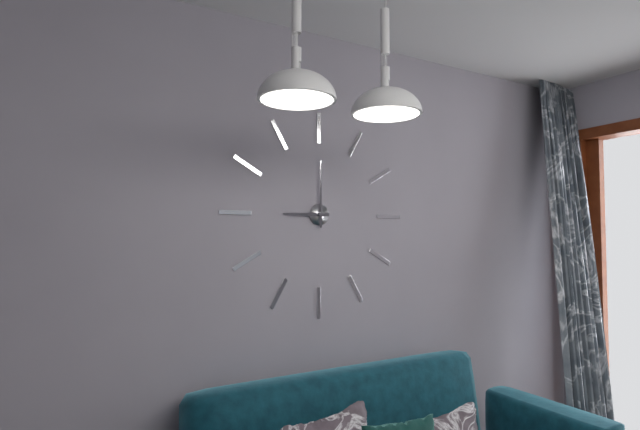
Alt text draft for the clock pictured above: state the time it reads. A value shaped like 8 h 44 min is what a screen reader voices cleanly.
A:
9 h 00 min
